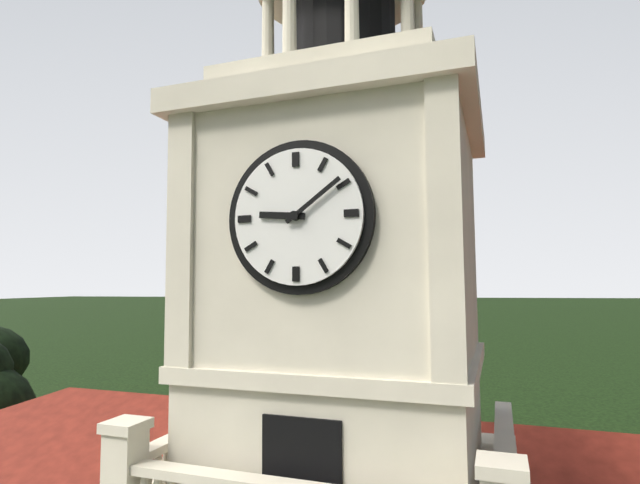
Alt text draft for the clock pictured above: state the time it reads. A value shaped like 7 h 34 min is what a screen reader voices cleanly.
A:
9 h 09 min
